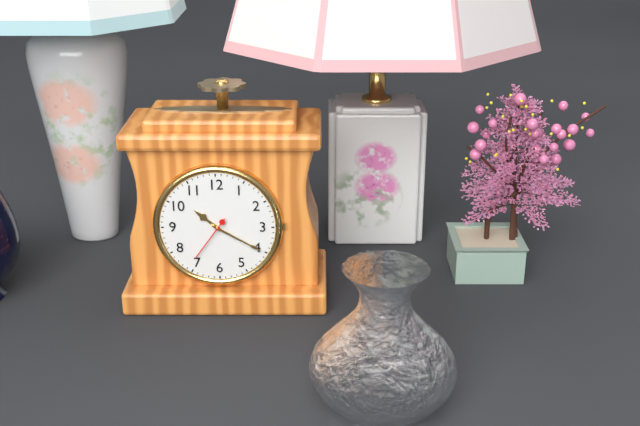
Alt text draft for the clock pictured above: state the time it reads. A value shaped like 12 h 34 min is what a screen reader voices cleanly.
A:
10 h 20 min
